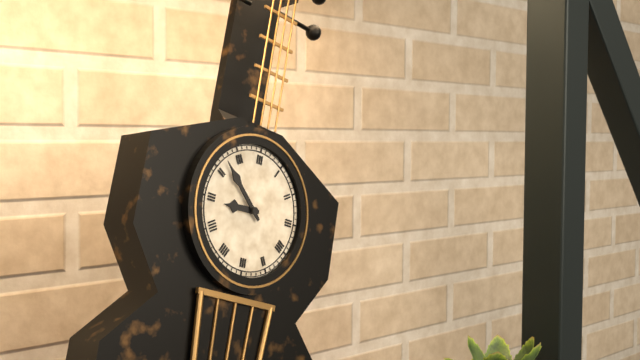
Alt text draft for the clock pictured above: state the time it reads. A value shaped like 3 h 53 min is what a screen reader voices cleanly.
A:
8 h 52 min
